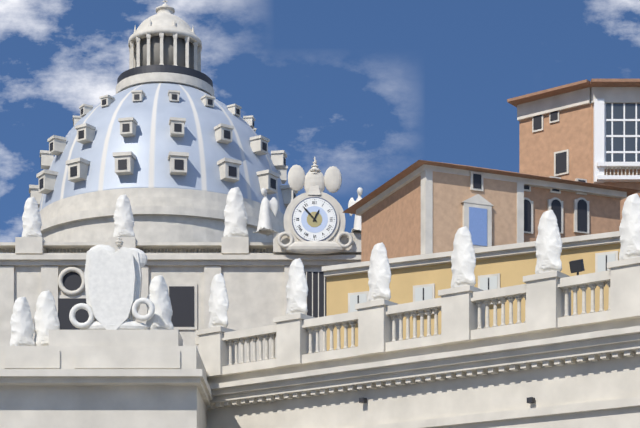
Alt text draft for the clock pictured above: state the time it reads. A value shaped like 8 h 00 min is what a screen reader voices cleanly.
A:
12 h 53 min
